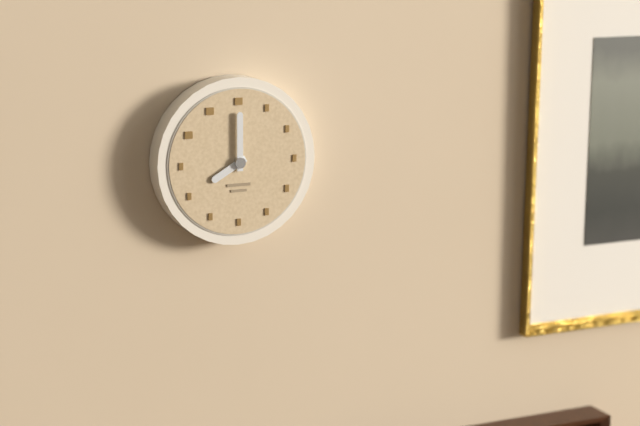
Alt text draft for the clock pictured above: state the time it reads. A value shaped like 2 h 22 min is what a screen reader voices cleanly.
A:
8 h 00 min
